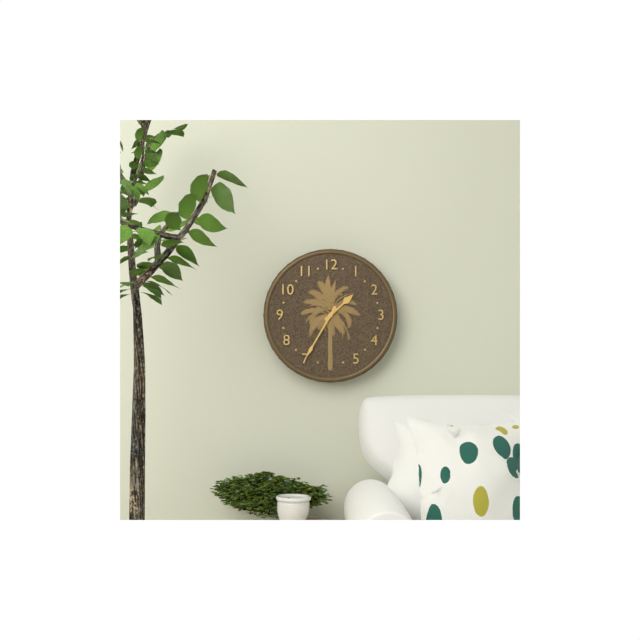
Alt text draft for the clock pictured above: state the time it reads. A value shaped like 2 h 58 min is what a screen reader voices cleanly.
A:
1 h 35 min
